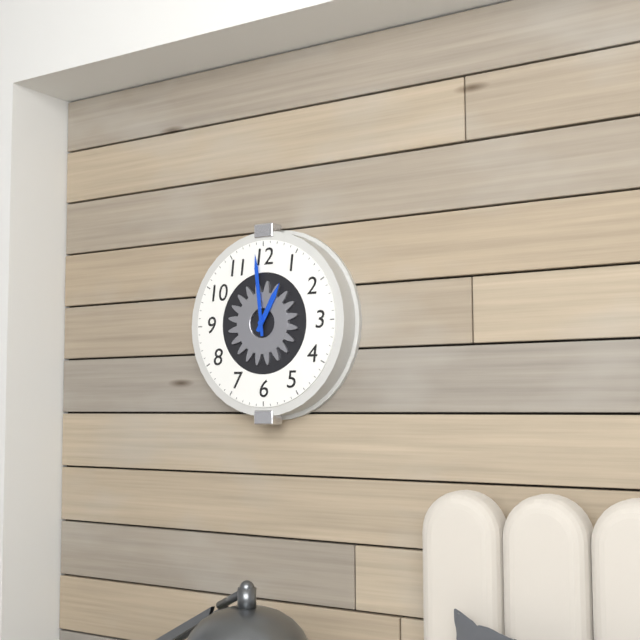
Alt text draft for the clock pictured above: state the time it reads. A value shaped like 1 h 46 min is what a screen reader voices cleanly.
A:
12 h 59 min
